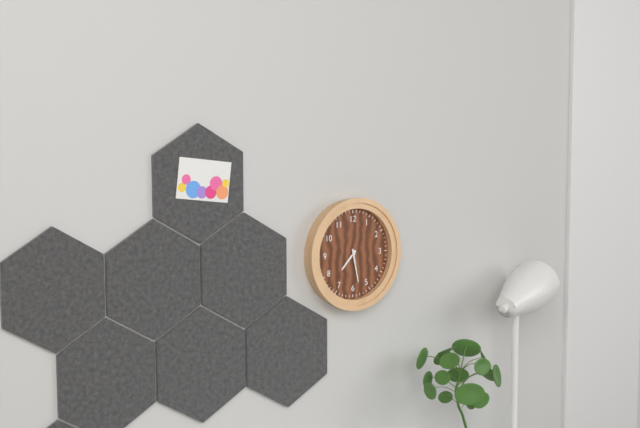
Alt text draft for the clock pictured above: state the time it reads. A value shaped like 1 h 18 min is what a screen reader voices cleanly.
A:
7 h 28 min
